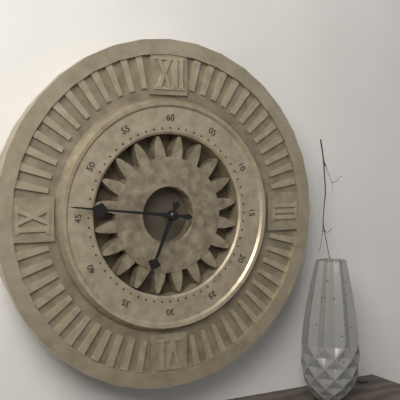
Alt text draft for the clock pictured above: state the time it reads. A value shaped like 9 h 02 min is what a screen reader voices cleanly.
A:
6 h 46 min
